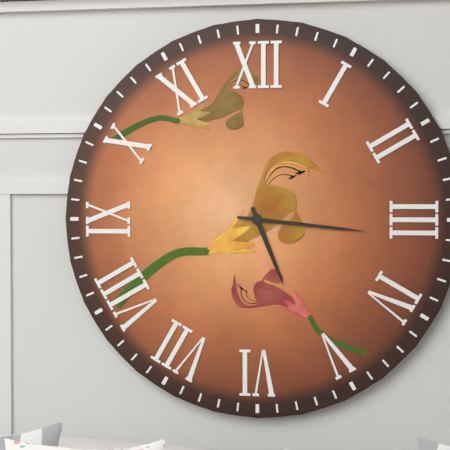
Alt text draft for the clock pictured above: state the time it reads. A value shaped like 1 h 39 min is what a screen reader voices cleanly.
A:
5 h 16 min
